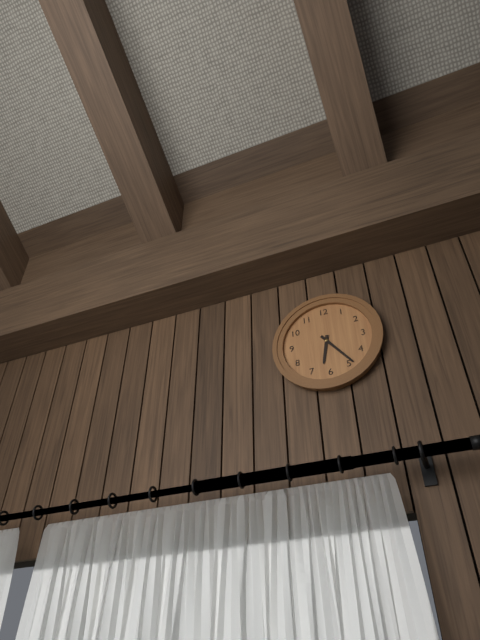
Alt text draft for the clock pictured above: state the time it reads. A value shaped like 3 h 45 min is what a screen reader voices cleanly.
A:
6 h 24 min
